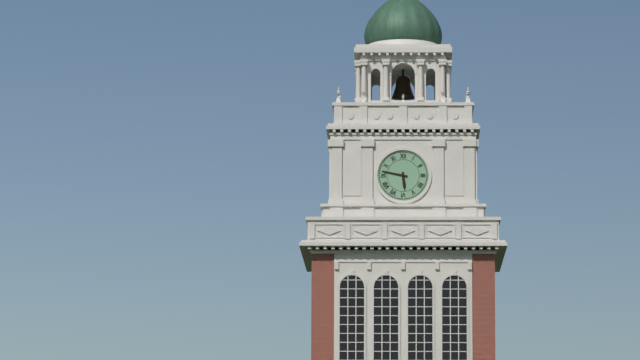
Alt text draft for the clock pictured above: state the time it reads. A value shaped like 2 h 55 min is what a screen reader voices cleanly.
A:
5 h 47 min
